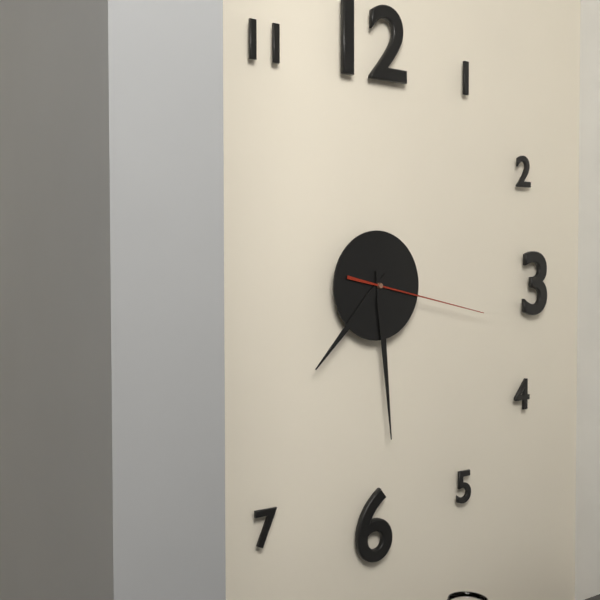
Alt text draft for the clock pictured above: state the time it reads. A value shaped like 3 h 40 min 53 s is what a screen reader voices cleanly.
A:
7 h 29 min 17 s
